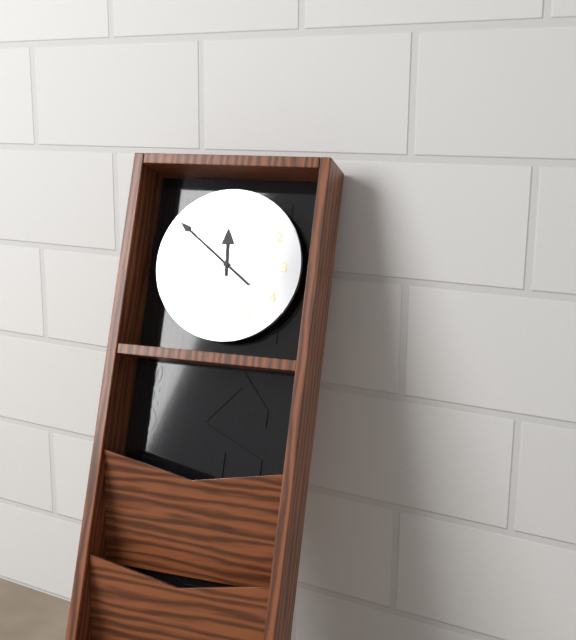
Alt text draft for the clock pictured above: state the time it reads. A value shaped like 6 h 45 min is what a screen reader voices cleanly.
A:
11 h 51 min
